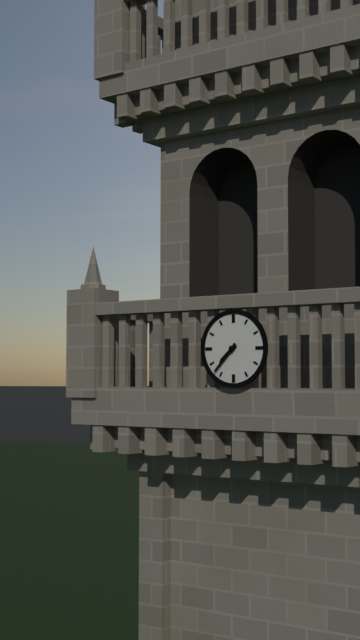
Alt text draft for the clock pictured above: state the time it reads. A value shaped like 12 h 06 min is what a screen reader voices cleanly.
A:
7 h 37 min
